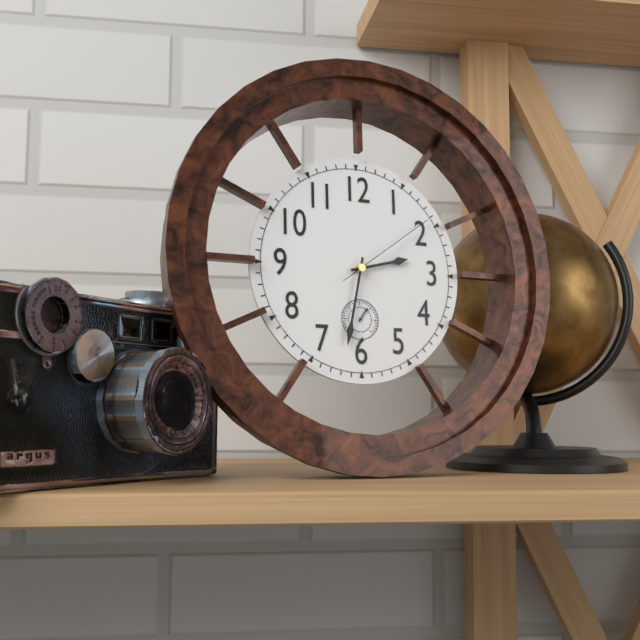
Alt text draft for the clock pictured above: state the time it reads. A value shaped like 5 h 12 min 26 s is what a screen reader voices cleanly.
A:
2 h 32 min 09 s
